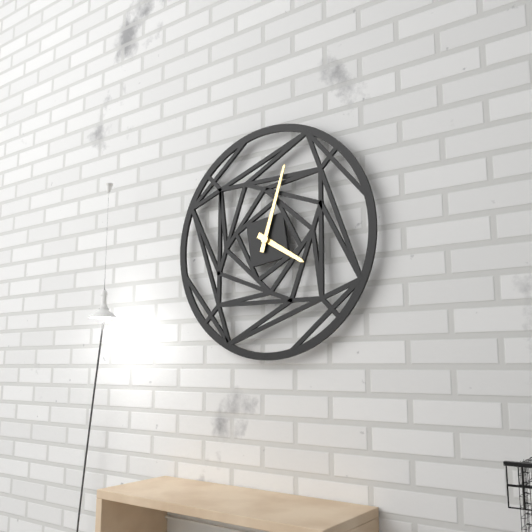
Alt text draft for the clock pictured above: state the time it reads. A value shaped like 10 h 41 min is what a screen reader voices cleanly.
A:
4 h 03 min
